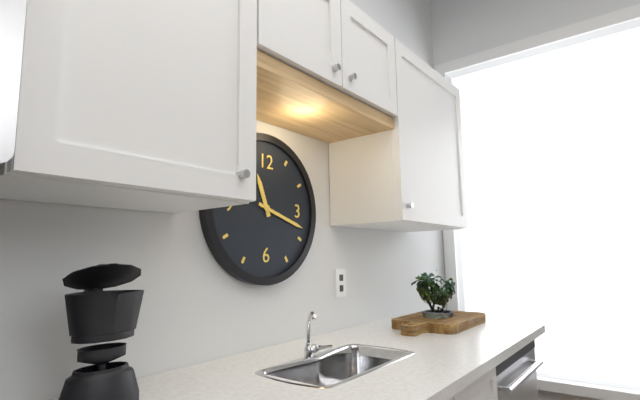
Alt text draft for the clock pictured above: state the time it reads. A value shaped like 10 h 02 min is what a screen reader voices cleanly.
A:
11 h 18 min
